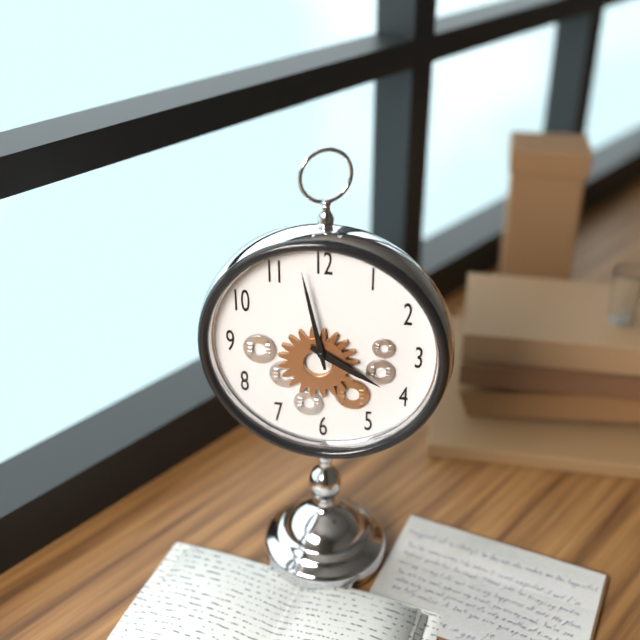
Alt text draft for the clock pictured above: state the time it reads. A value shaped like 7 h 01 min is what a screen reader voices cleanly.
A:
3 h 58 min
